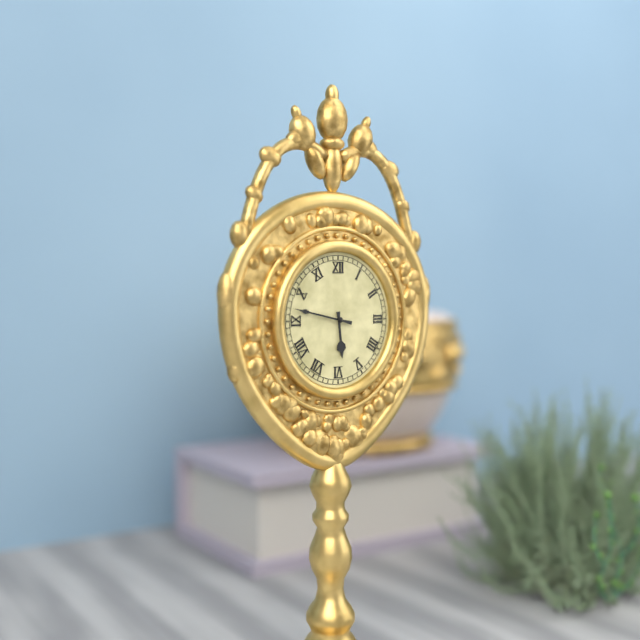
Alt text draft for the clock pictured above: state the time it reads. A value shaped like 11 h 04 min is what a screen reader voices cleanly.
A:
5 h 47 min
